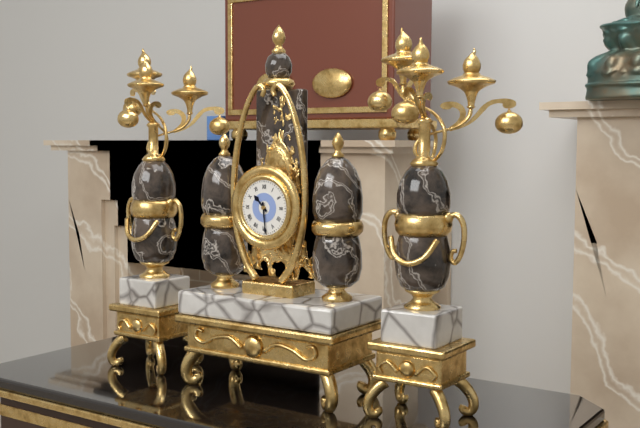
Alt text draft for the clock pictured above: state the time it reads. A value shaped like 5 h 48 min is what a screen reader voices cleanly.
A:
10 h 29 min
